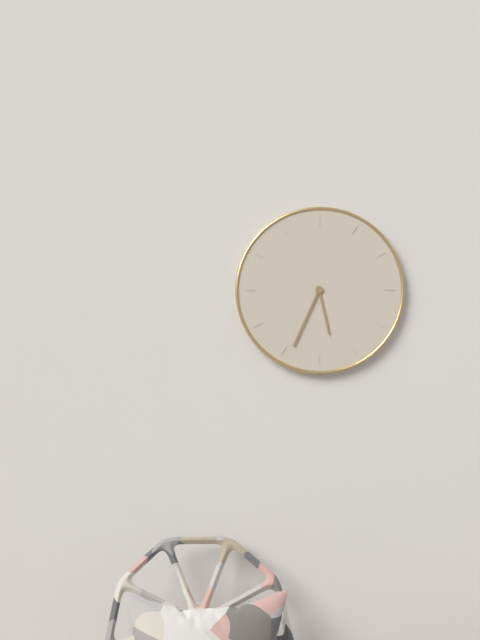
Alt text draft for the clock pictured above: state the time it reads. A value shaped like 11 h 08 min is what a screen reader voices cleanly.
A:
5 h 34 min
